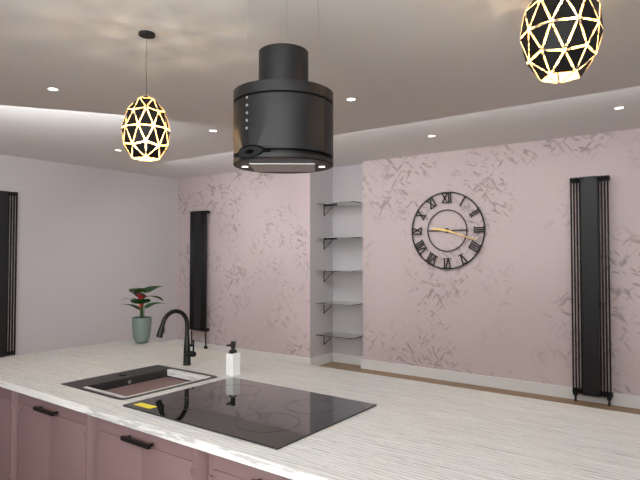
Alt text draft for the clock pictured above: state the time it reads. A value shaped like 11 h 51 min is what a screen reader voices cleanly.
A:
9 h 18 min
